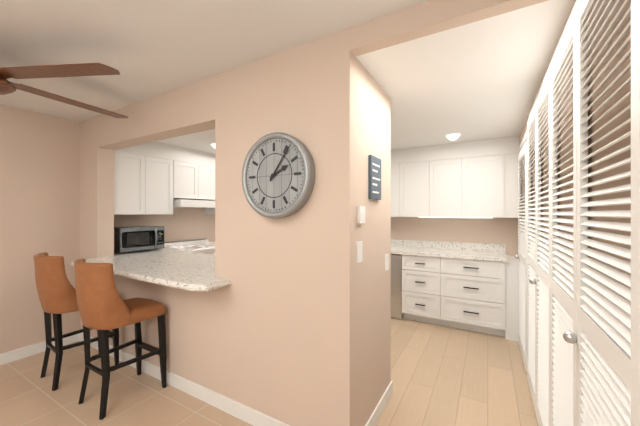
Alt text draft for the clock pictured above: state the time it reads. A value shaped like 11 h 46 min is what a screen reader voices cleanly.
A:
2 h 06 min
